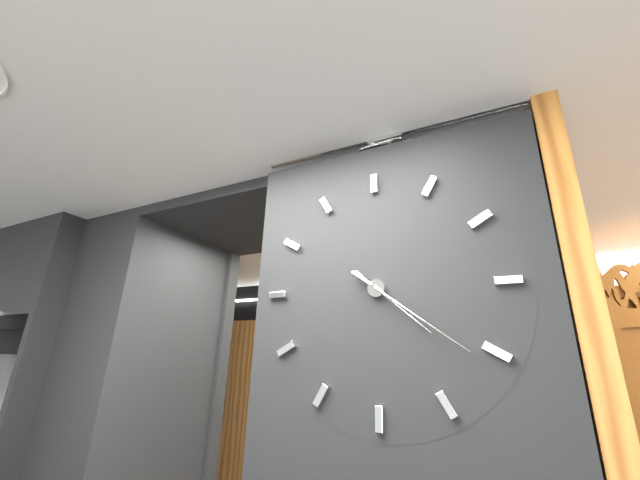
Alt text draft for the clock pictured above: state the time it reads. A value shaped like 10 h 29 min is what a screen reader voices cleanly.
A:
4 h 21 min
